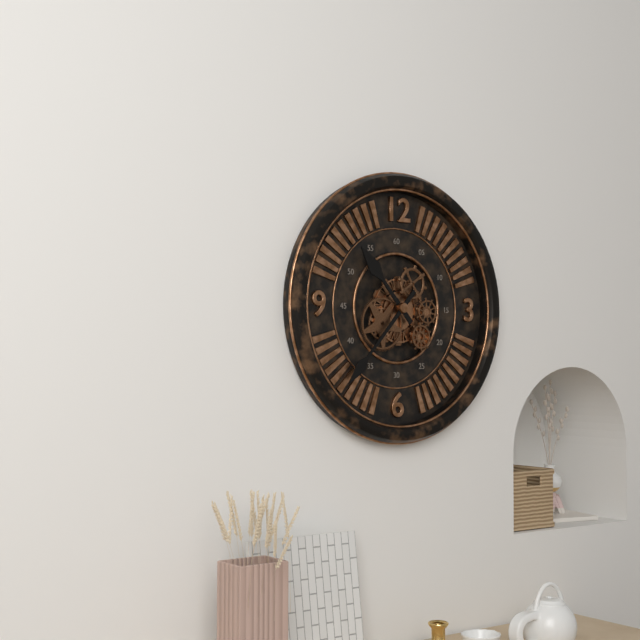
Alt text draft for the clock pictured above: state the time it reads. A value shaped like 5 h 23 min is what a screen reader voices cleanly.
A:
10 h 37 min
